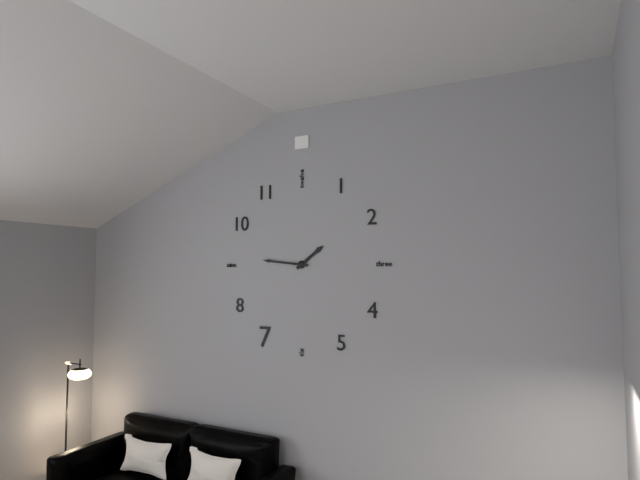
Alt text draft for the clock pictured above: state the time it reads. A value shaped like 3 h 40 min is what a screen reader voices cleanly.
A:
1 h 46 min
